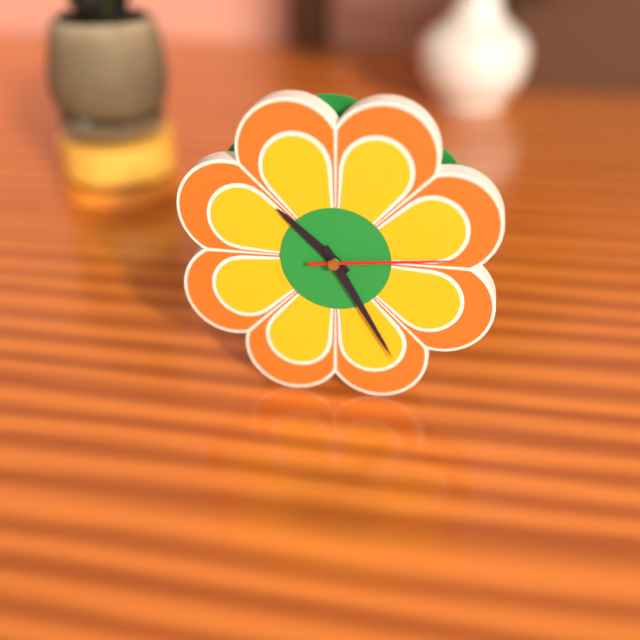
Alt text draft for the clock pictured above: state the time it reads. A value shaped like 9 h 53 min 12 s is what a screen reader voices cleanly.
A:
10 h 25 min 14 s
